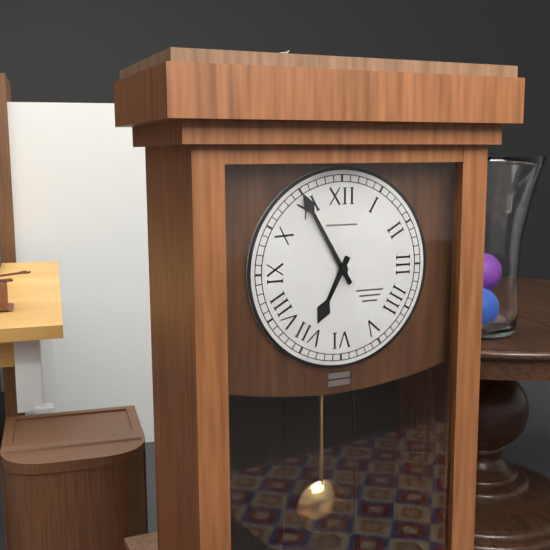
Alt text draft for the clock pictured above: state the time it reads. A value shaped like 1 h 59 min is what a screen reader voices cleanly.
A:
6 h 55 min
